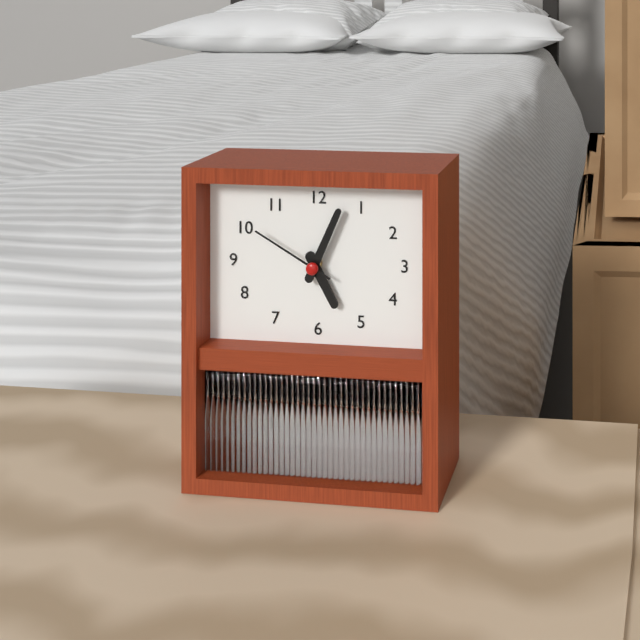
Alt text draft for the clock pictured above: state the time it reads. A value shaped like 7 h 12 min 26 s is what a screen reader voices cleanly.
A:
5 h 04 min 50 s
